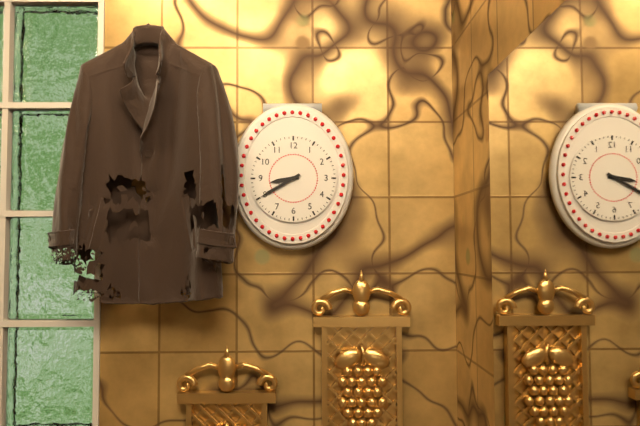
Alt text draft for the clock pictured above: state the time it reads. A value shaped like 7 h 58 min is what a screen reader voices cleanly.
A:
8 h 40 min
